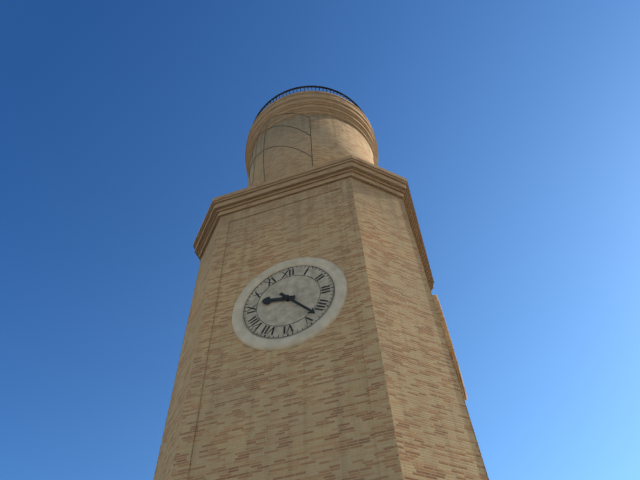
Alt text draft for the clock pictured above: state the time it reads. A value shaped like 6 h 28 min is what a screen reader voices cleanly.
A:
9 h 23 min
